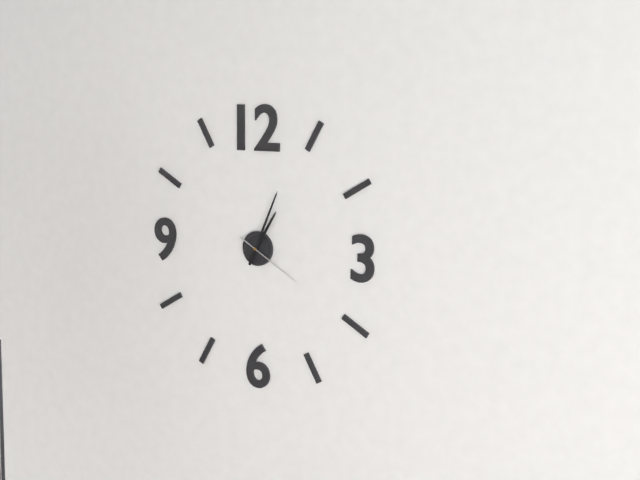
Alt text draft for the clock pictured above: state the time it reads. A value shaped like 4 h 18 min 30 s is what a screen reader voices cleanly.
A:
1 h 04 min 20 s
